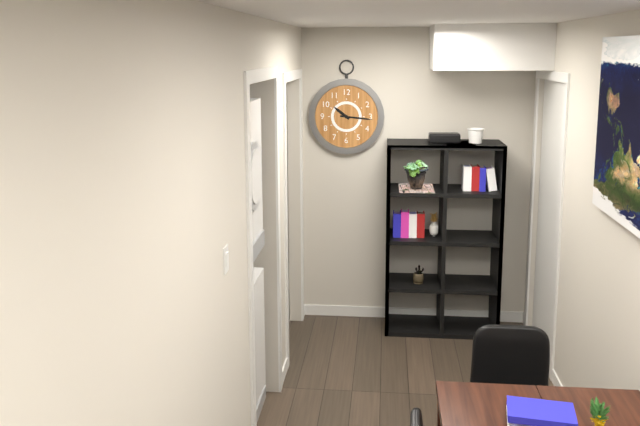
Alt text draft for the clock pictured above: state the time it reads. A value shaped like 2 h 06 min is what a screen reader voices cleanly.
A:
10 h 16 min
